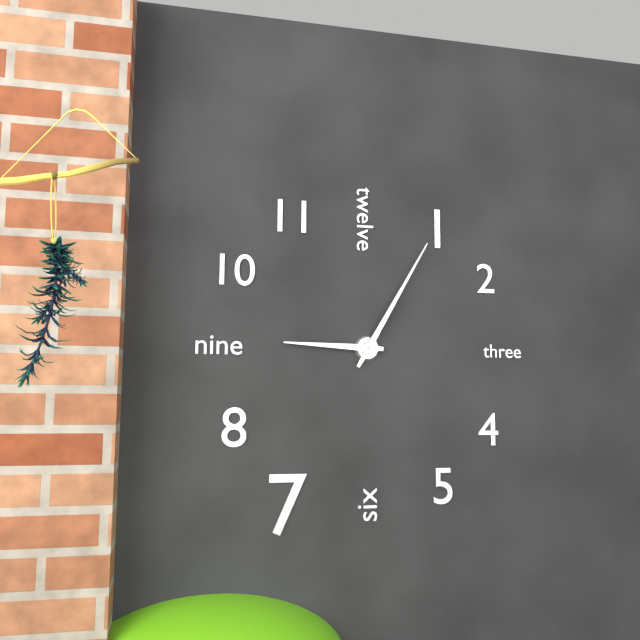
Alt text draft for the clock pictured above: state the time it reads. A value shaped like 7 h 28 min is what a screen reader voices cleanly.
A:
9 h 05 min
